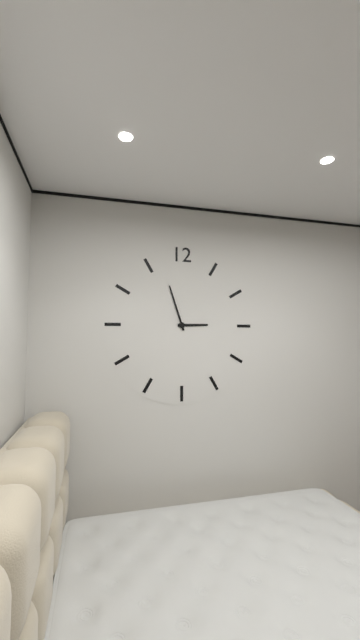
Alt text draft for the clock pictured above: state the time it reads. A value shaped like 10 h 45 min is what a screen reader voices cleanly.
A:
2 h 57 min
